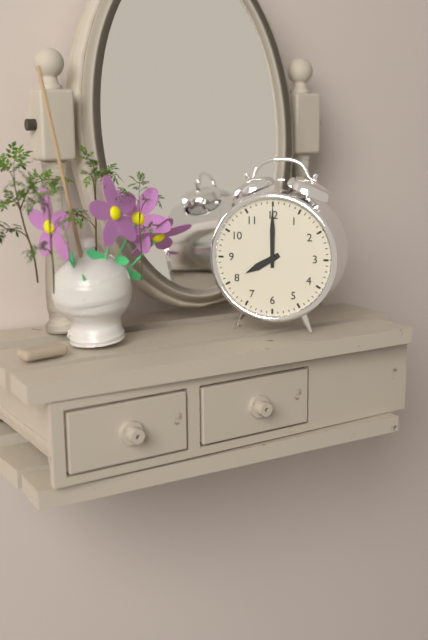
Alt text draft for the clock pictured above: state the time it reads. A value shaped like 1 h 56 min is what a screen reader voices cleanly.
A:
8 h 00 min
